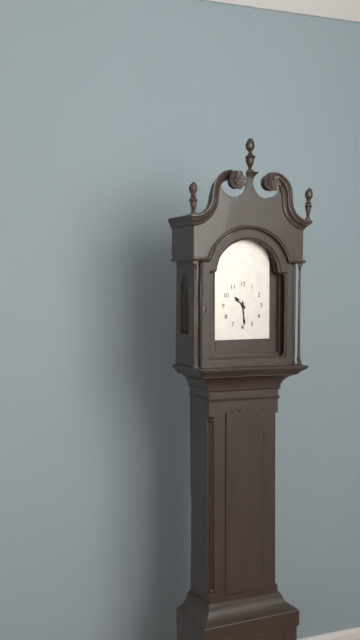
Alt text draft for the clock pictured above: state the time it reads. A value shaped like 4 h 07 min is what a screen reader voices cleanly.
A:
10 h 29 min
